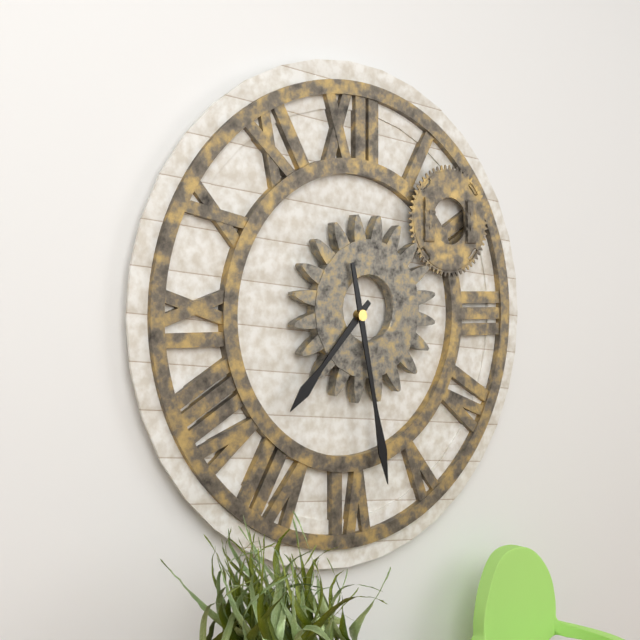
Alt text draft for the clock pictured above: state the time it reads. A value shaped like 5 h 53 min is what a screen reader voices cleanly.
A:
7 h 28 min
